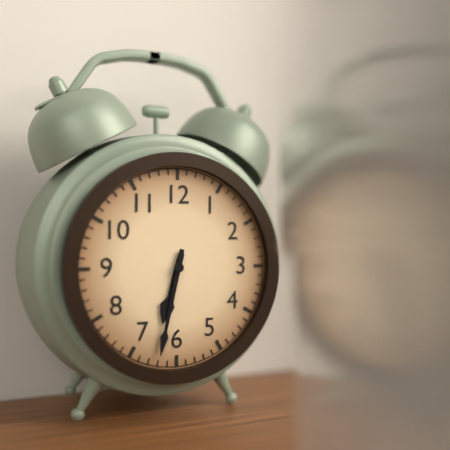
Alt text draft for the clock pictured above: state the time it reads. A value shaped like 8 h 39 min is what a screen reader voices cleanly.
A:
6 h 32 min
